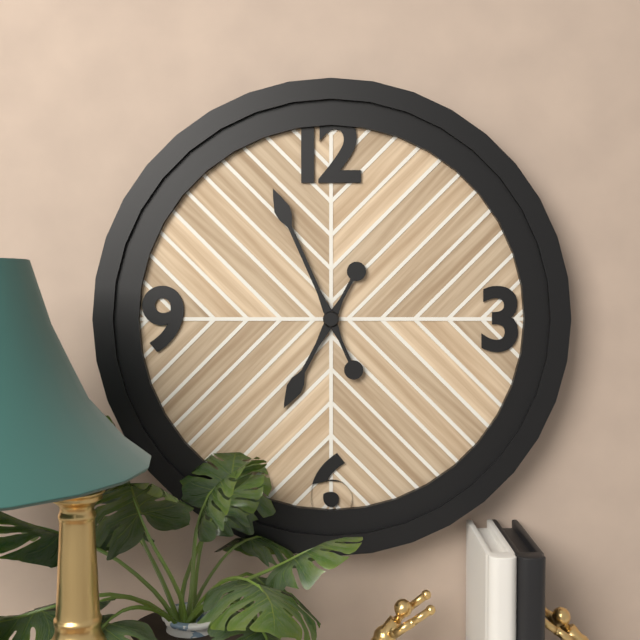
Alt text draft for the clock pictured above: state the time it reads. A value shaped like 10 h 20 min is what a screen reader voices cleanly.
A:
6 h 56 min
